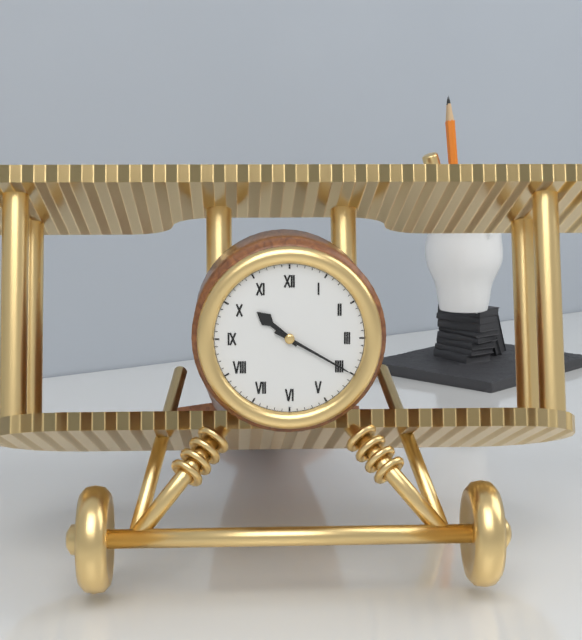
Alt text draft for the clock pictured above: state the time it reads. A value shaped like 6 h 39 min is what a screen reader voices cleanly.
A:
10 h 20 min
